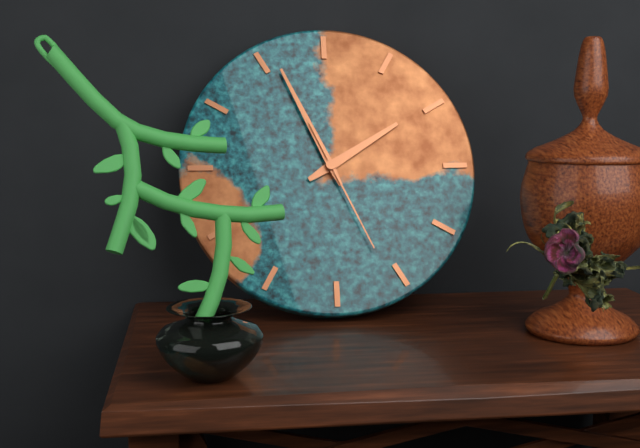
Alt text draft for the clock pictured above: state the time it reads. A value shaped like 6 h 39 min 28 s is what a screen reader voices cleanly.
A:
1 h 56 min 26 s
